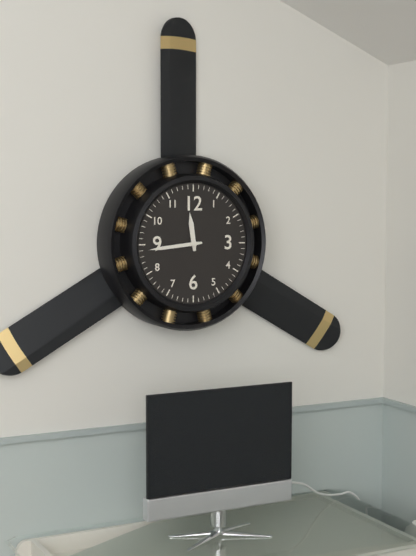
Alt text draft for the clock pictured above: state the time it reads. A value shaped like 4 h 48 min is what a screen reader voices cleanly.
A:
11 h 44 min
